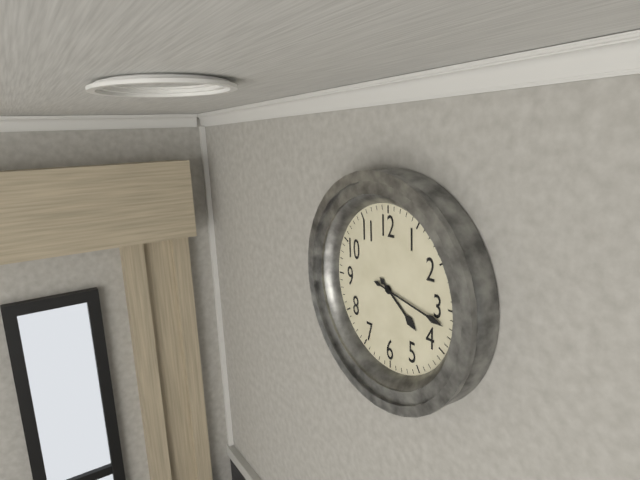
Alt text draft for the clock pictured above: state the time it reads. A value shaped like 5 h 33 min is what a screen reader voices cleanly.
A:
4 h 17 min
